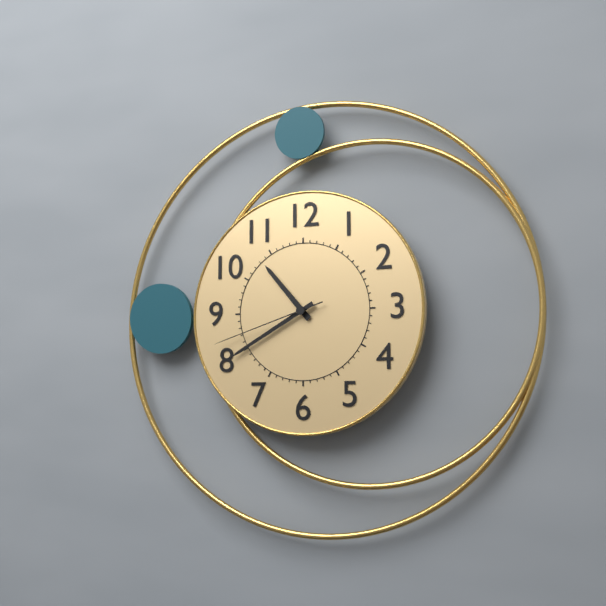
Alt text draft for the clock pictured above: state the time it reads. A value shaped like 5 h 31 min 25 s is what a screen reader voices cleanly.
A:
10 h 40 min 42 s
